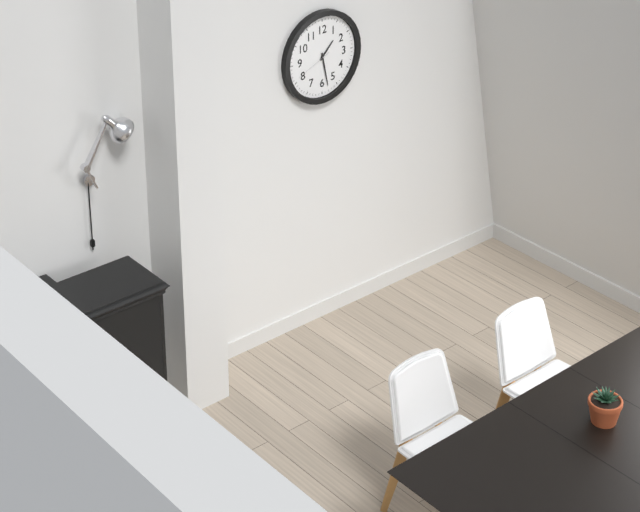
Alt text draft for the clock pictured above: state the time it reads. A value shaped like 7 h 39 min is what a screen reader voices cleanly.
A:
1 h 28 min
